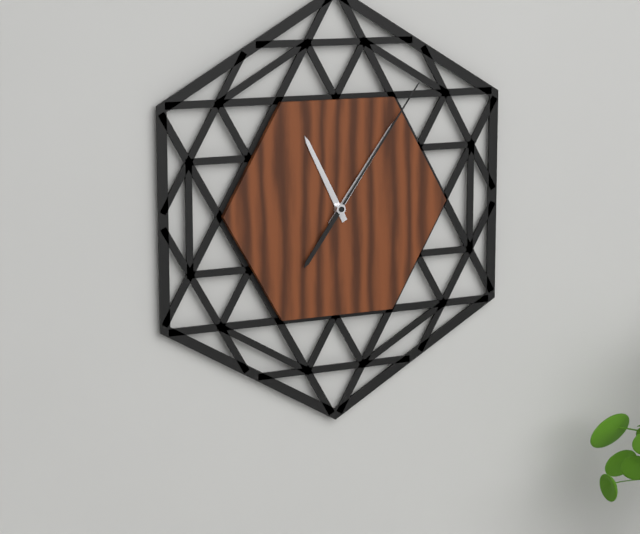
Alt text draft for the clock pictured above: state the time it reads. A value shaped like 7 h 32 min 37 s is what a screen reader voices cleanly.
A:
11 h 06 min 06 s
